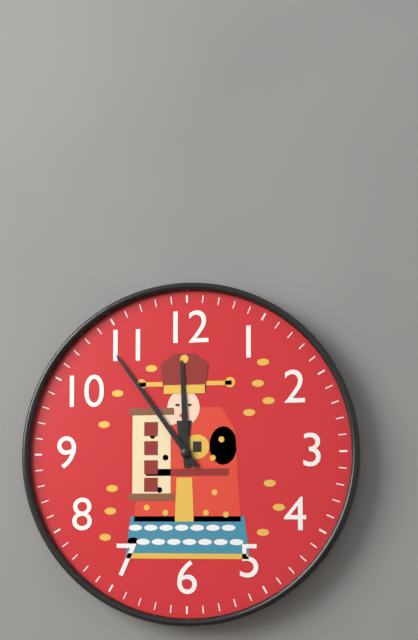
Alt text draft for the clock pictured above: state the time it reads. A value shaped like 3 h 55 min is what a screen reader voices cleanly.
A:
11 h 54 min
